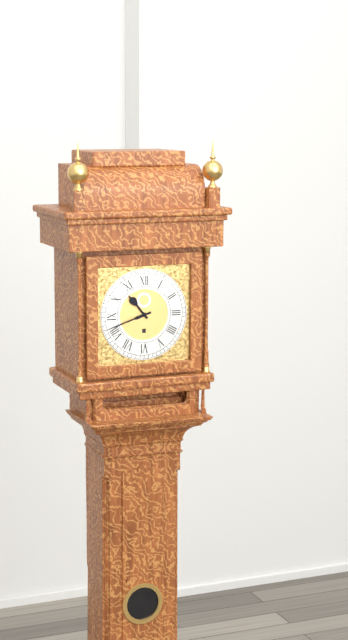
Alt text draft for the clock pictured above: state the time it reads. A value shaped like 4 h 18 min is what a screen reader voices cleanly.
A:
10 h 42 min
